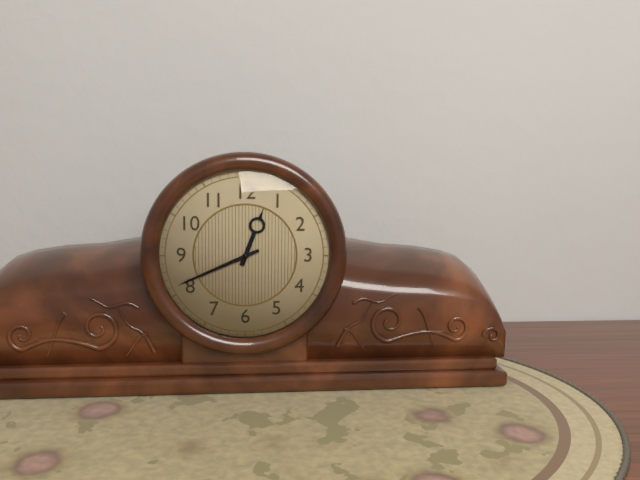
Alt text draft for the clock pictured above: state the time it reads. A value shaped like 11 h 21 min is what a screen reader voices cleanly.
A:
12 h 41 min
